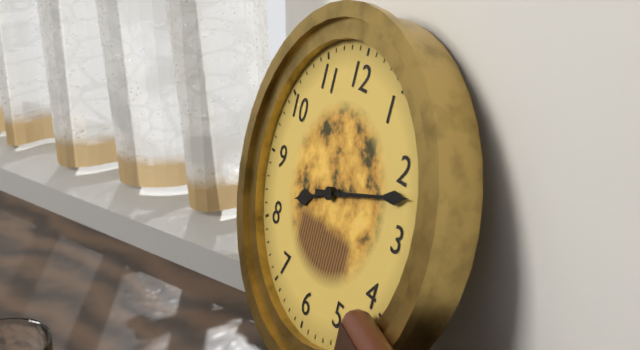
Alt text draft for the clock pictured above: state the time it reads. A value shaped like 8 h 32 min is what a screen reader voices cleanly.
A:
8 h 12 min
